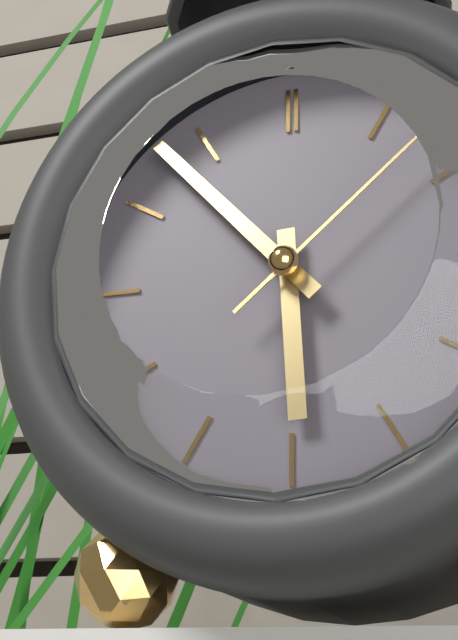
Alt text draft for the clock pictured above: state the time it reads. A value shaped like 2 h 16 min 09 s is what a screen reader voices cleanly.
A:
5 h 53 min 08 s
